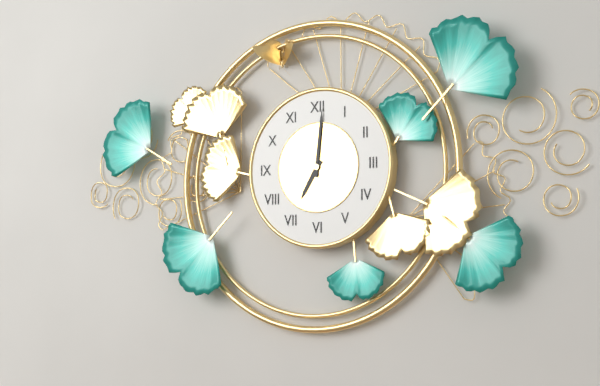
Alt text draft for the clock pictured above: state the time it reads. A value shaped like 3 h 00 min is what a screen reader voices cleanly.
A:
7 h 01 min
